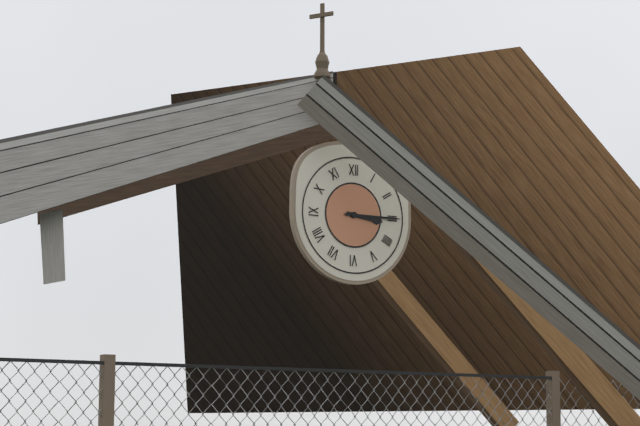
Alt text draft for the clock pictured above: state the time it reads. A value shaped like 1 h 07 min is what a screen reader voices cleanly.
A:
3 h 15 min
